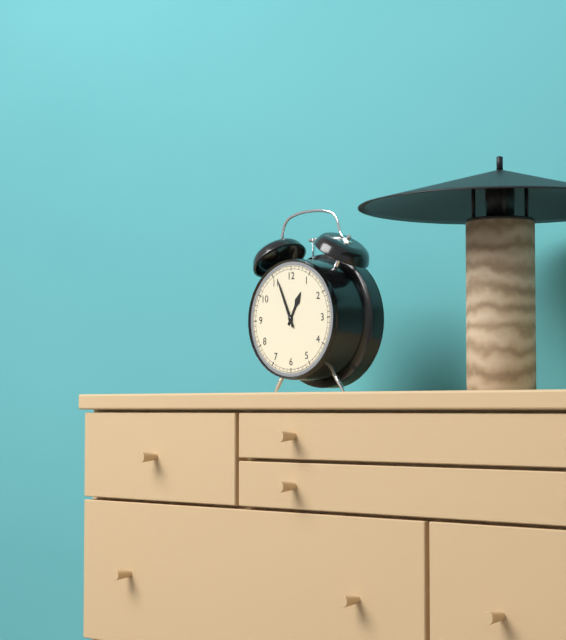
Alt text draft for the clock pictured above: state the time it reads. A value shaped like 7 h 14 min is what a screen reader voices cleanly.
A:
12 h 56 min
